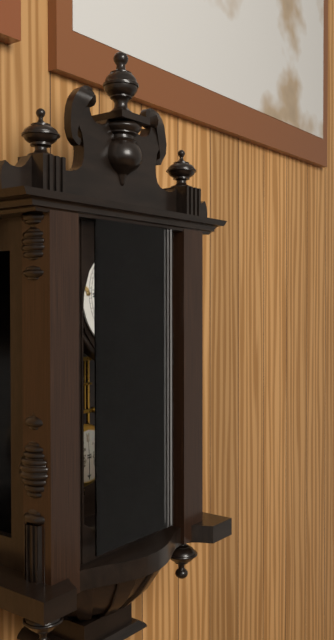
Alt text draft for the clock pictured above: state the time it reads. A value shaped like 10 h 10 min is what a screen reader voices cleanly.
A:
1 h 59 min
